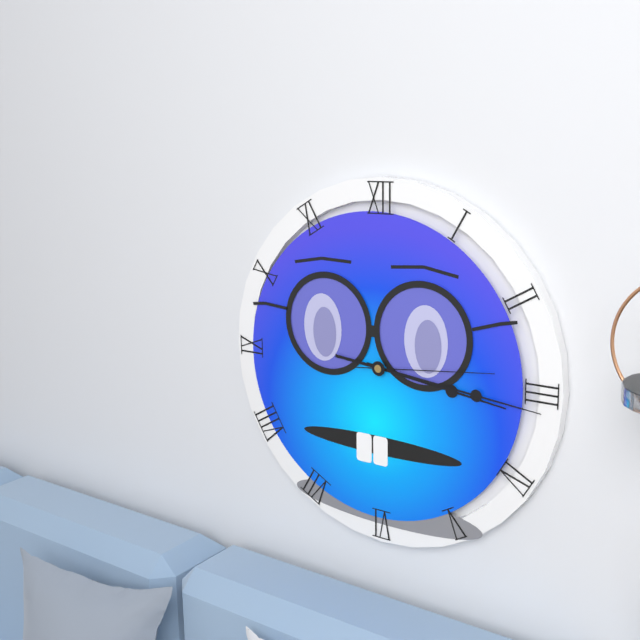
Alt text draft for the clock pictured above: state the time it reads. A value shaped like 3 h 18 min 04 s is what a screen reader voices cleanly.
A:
3 h 16 min 14 s
